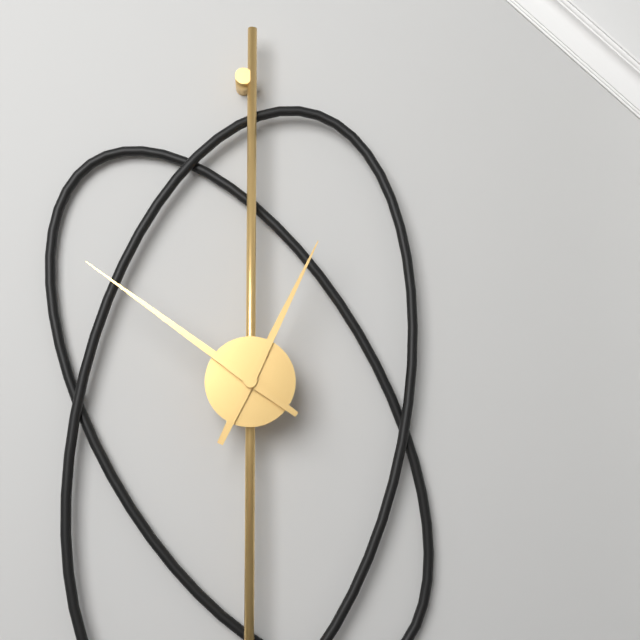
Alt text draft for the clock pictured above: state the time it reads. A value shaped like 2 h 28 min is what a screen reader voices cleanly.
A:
12 h 51 min
